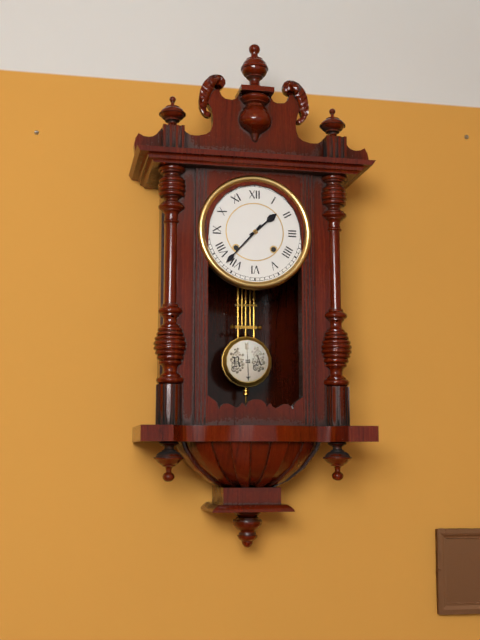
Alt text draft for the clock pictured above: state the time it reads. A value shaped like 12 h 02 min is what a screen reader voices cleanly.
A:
1 h 37 min
